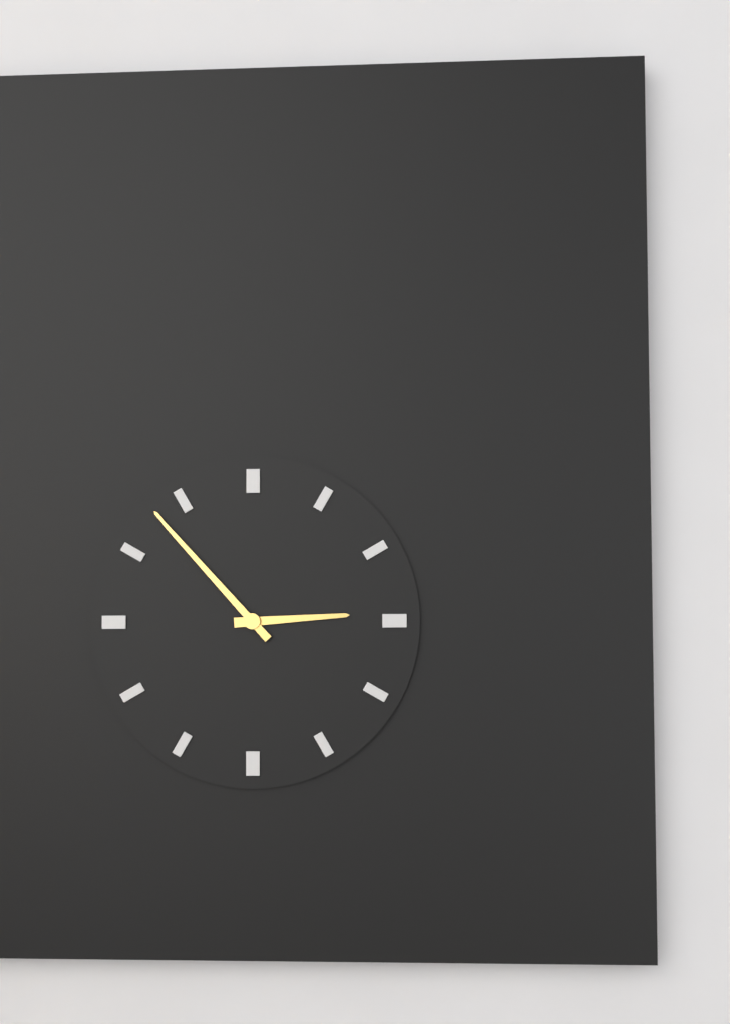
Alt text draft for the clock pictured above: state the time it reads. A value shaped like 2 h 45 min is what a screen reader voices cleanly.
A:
2 h 53 min
